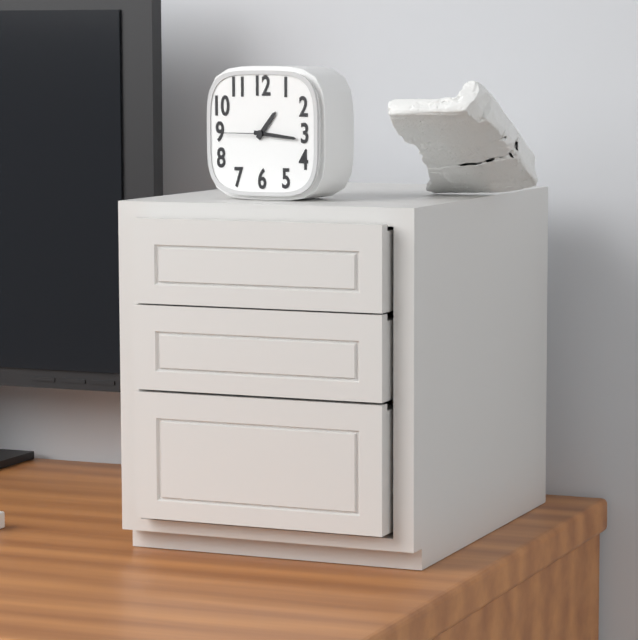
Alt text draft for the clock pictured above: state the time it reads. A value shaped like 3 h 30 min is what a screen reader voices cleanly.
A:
1 h 16 min
